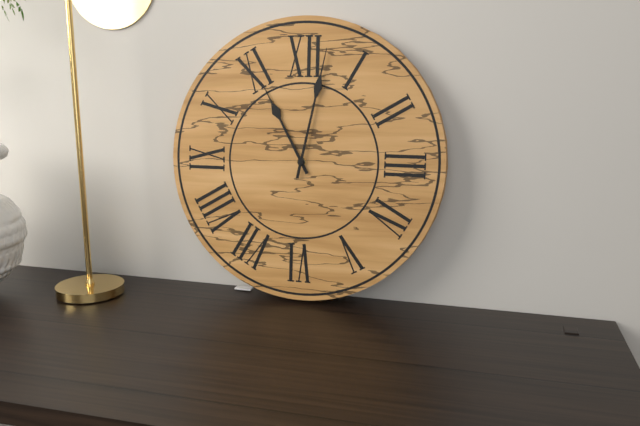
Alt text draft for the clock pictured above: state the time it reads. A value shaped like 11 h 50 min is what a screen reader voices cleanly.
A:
11 h 02 min
